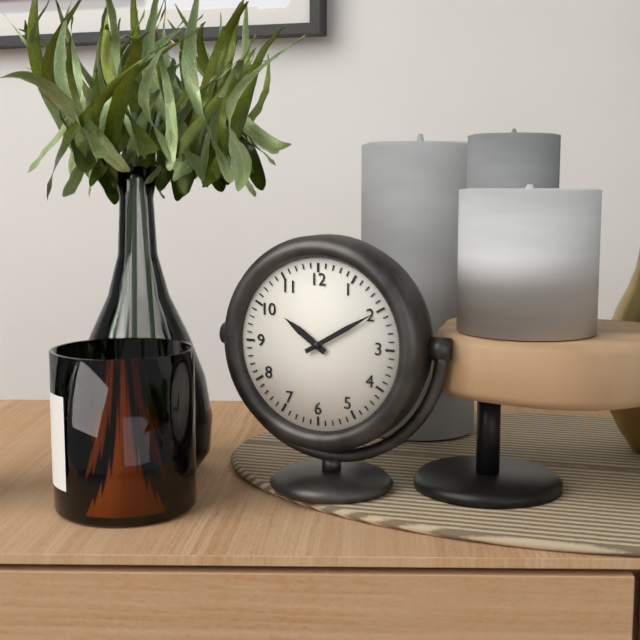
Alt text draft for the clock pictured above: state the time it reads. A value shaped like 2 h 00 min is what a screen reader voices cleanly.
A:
10 h 10 min
